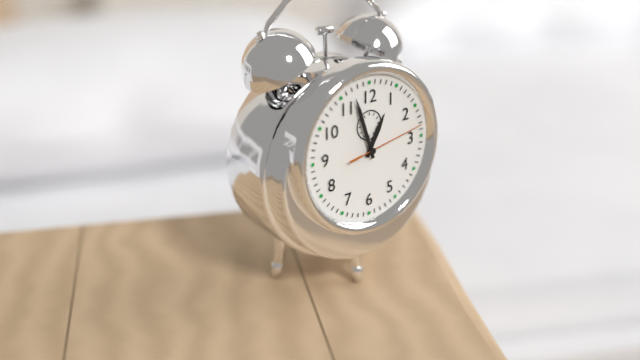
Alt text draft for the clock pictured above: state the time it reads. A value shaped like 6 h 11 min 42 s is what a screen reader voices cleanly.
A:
12 h 57 min 13 s
